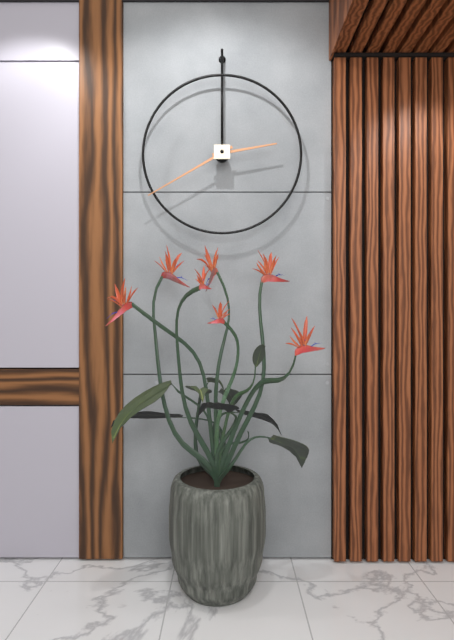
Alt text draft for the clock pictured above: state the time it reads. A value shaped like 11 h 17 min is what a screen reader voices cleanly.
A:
2 h 40 min
